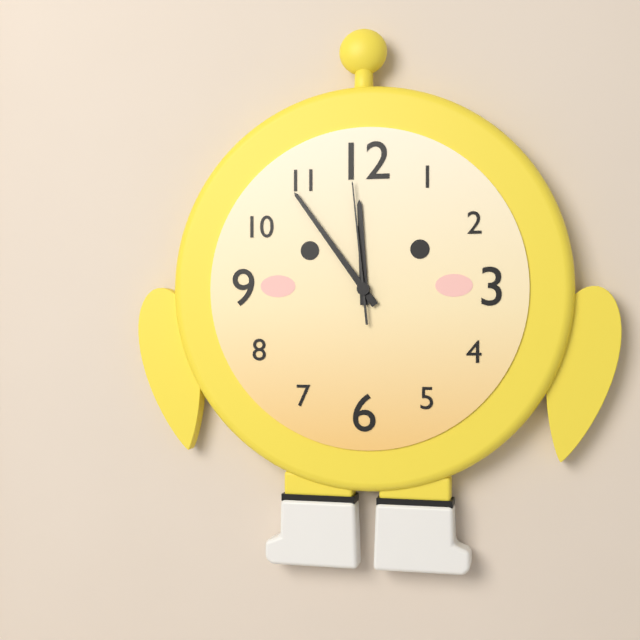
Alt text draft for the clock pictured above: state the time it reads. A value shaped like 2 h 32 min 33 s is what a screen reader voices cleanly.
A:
11 h 54 min 59 s
